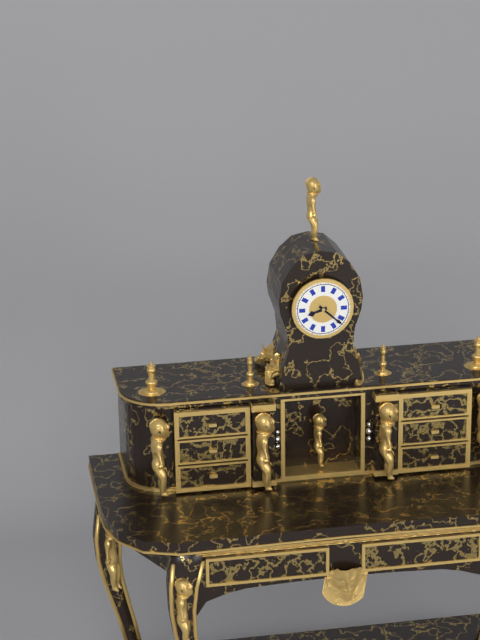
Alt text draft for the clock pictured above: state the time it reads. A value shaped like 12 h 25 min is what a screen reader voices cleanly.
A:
8 h 22 min
